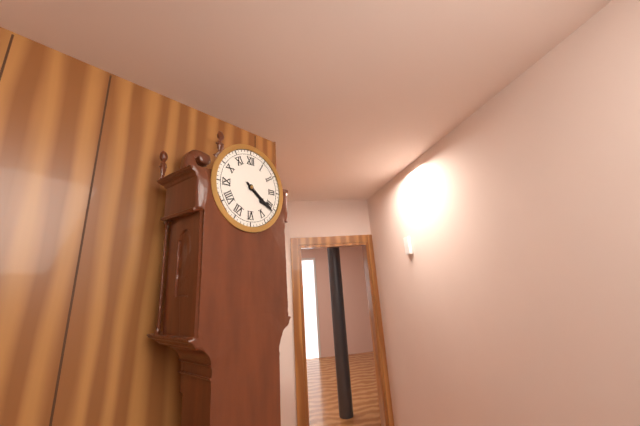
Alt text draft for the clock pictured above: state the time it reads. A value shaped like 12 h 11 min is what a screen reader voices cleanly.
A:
4 h 21 min
